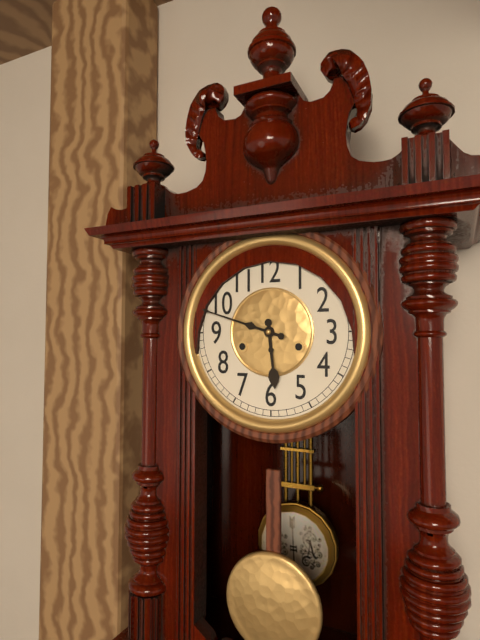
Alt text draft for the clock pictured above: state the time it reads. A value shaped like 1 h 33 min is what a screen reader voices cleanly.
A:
5 h 48 min
